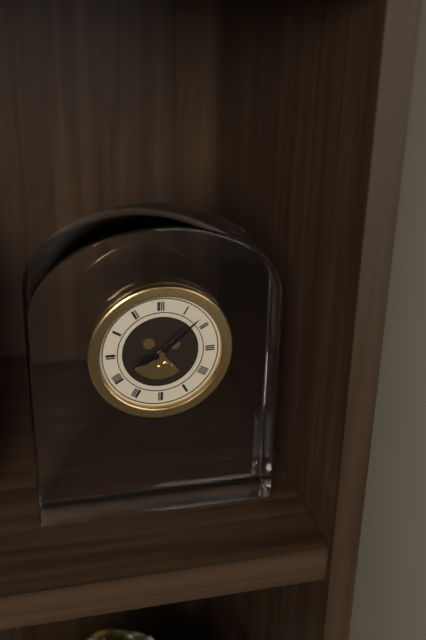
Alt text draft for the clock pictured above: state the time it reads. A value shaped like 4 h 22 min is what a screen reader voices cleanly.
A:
8 h 08 min
